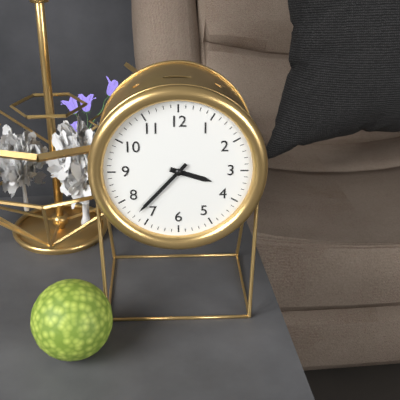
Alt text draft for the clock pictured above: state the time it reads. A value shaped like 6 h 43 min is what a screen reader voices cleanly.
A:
3 h 37 min
